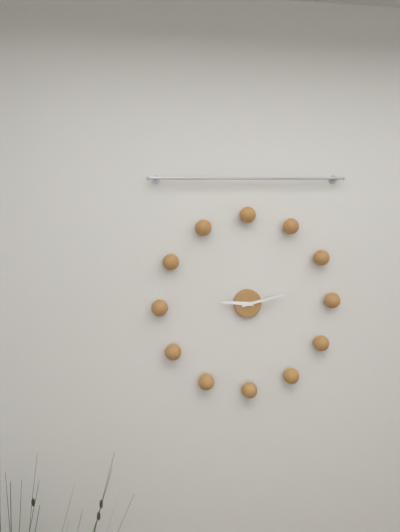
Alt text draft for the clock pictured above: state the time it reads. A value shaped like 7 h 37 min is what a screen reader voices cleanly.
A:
9 h 13 min
